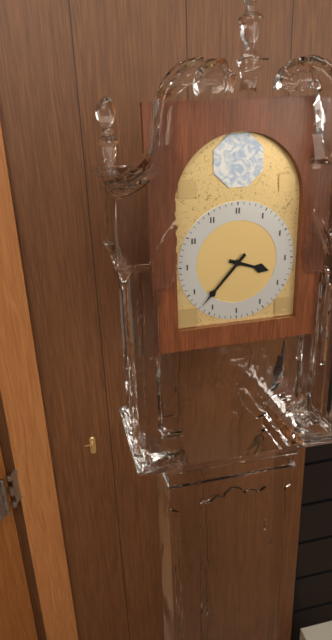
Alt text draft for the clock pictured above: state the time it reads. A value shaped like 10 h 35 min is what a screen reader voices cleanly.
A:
3 h 37 min
